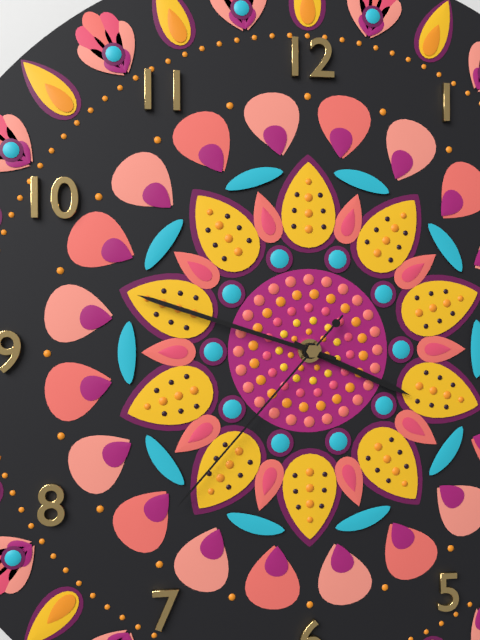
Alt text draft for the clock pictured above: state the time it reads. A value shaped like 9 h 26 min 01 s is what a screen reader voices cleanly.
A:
3 h 48 min 37 s
